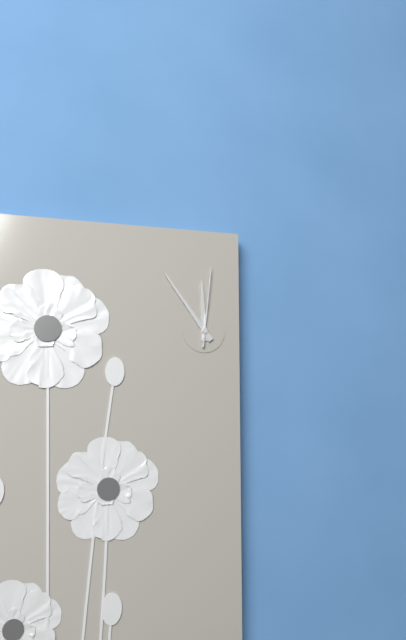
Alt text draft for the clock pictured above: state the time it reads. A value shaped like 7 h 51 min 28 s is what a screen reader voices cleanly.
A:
11 h 54 min 01 s
